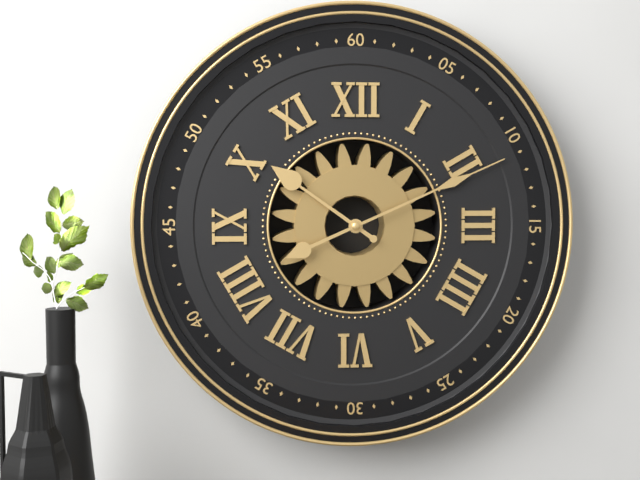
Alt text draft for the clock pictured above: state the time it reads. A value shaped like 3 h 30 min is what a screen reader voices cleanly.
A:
10 h 11 min
